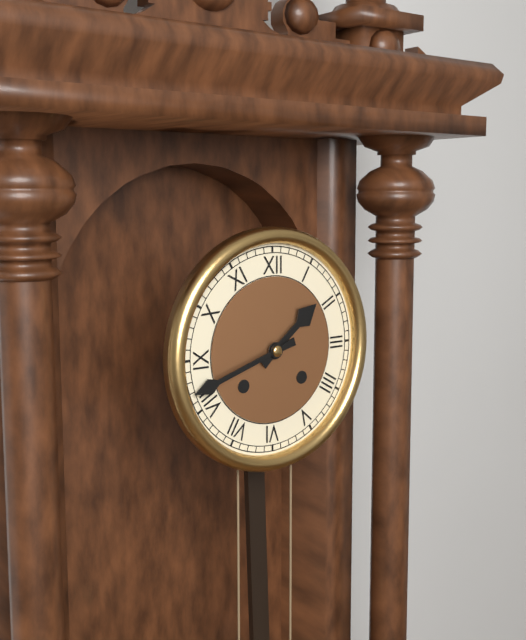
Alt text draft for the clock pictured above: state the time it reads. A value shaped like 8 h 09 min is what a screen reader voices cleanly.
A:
1 h 42 min
